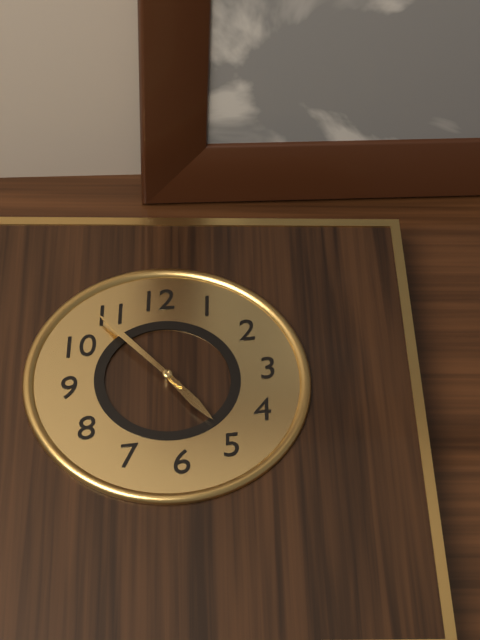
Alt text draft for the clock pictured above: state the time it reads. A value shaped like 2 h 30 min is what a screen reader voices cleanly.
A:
4 h 54 min
